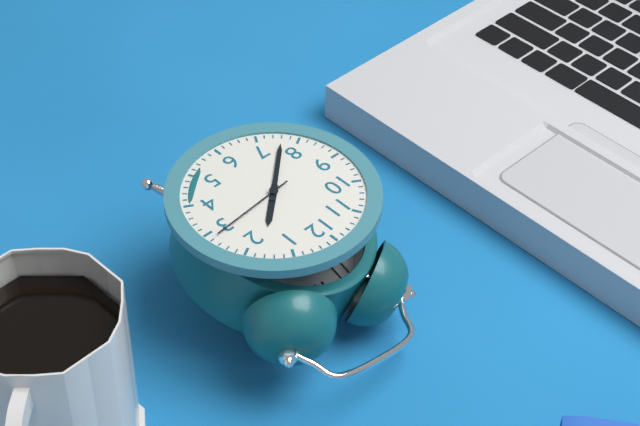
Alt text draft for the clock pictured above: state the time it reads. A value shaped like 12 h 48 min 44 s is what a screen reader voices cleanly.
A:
1 h 38 min 14 s
